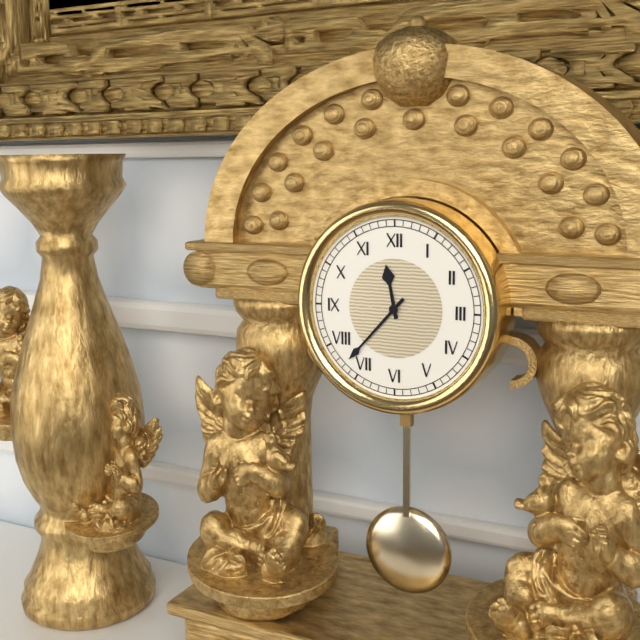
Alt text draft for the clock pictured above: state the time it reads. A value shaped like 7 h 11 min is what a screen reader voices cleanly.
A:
11 h 37 min
